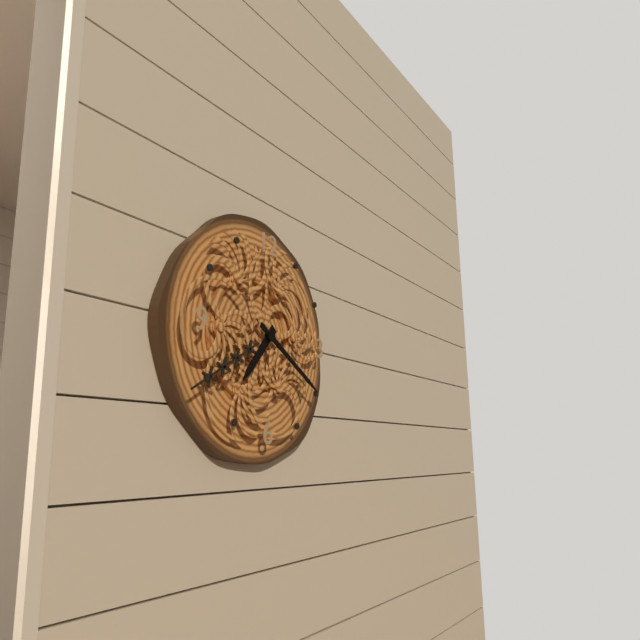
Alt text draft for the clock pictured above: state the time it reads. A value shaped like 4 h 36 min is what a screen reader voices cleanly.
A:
7 h 20 min
